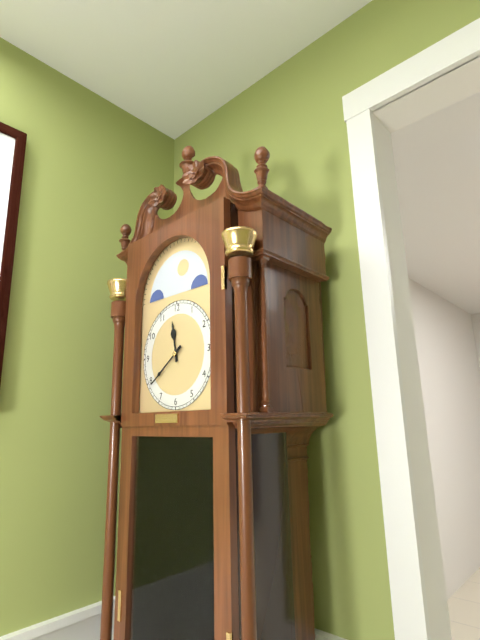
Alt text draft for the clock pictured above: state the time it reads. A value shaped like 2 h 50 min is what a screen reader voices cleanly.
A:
11 h 39 min
